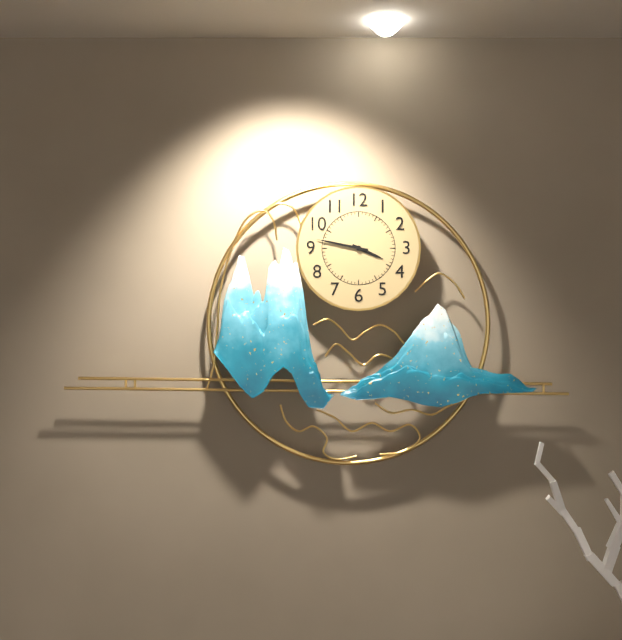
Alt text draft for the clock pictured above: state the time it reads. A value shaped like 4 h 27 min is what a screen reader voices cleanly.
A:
3 h 47 min
